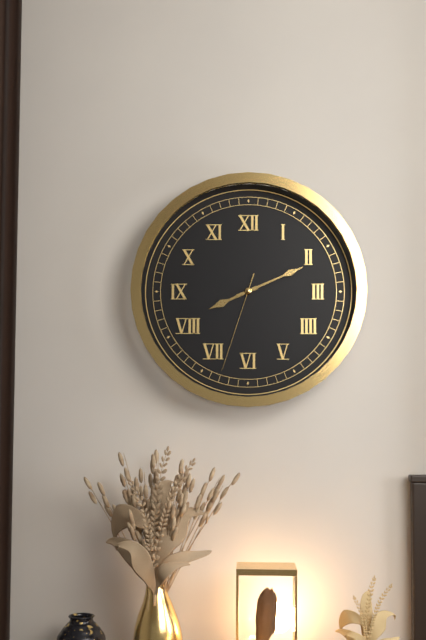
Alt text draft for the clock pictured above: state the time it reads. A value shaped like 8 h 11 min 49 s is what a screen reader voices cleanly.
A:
8 h 11 min 33 s
